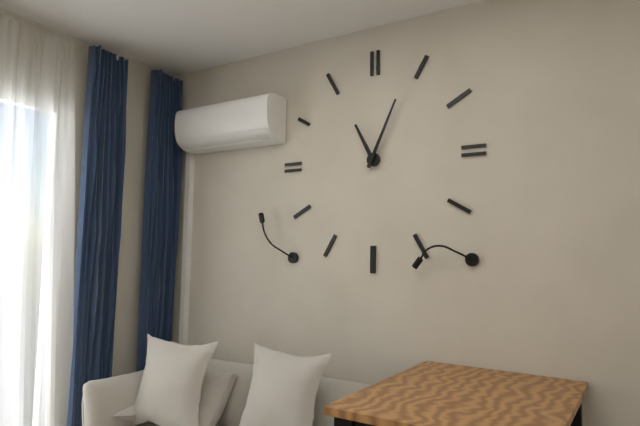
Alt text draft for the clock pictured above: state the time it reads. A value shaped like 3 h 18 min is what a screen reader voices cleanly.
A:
11 h 04 min
